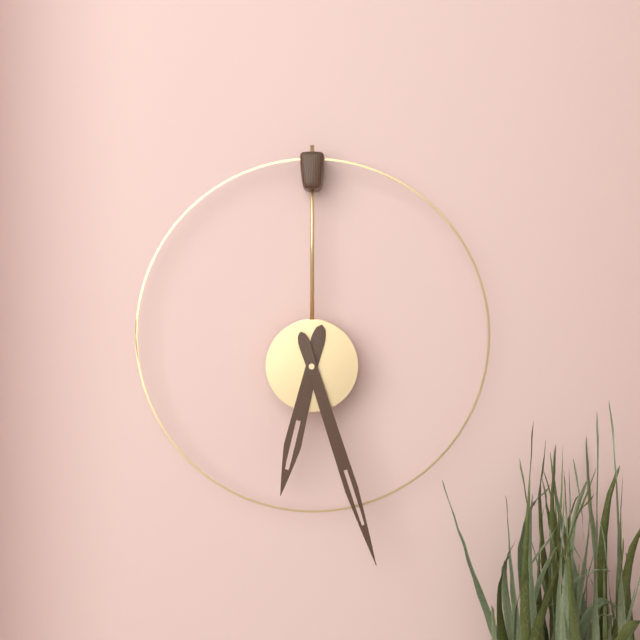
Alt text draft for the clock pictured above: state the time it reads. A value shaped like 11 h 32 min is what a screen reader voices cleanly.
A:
6 h 27 min
